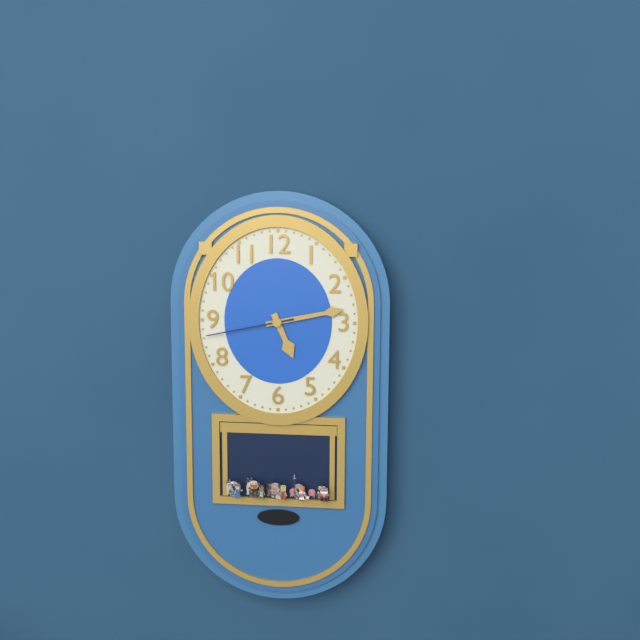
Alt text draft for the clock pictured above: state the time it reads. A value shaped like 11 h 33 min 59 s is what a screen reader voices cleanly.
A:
5 h 13 min 43 s
